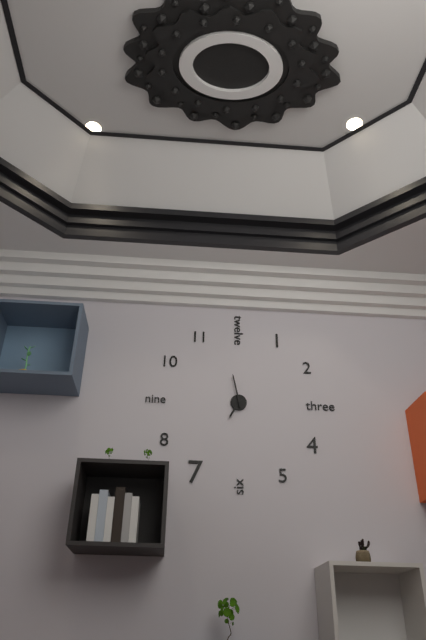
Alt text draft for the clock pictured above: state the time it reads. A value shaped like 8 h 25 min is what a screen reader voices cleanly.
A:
6 h 58 min
